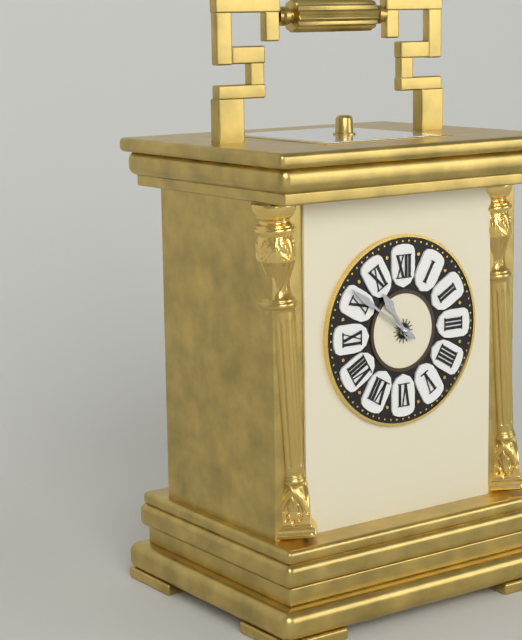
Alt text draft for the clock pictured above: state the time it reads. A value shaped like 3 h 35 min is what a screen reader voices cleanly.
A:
10 h 51 min
